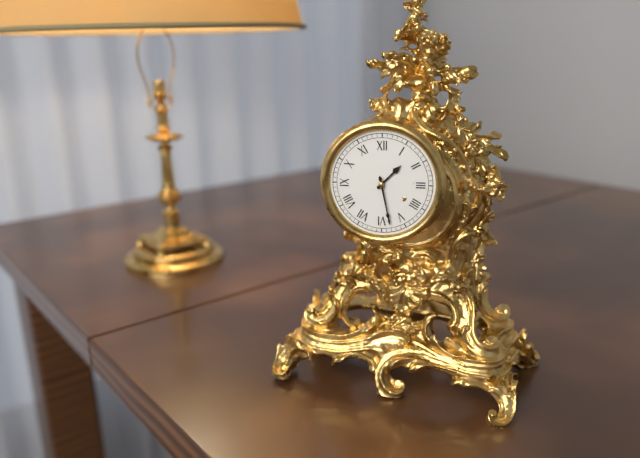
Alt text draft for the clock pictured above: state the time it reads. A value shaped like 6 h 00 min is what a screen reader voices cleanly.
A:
1 h 28 min
